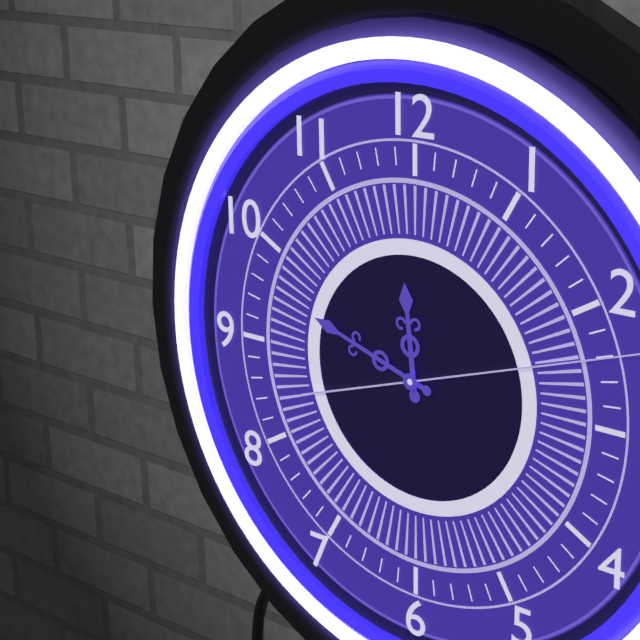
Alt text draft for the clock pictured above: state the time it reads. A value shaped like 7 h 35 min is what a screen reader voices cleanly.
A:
11 h 48 min
